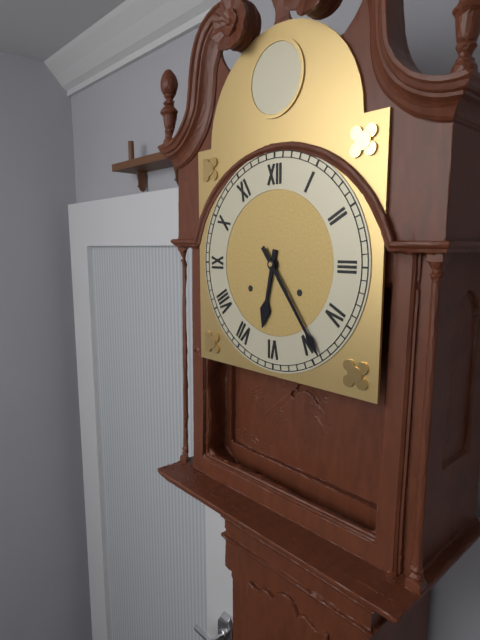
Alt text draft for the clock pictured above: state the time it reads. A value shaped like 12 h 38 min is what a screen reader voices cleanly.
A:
6 h 24 min
